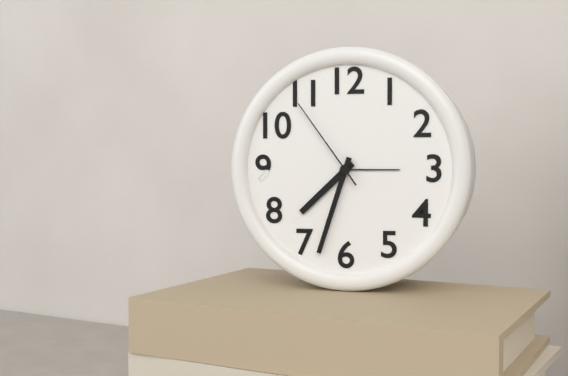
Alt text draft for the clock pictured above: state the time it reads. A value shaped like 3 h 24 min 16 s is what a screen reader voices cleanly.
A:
7 h 33 min 54 s
